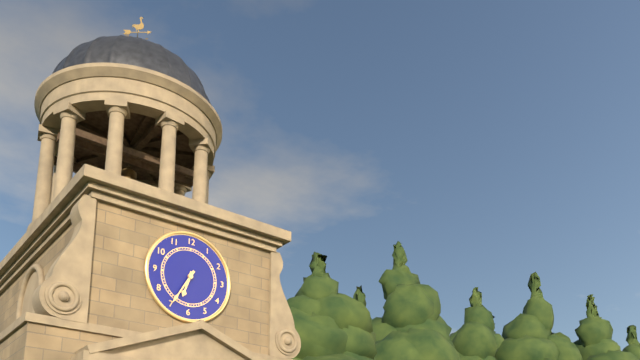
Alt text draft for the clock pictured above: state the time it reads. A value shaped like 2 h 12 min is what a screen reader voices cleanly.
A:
6 h 35 min
